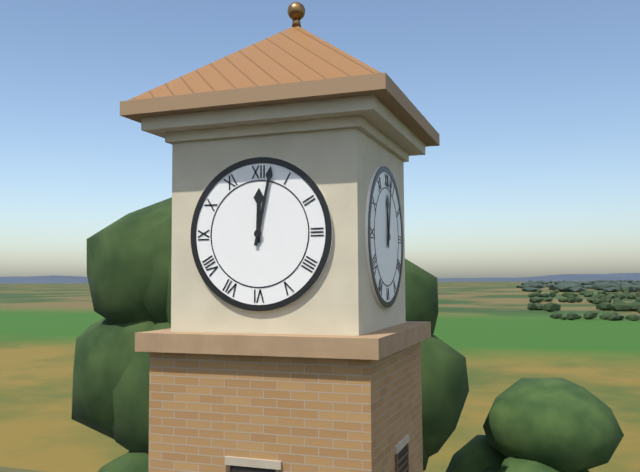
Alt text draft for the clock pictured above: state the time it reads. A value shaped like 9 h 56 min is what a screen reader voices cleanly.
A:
12 h 02 min
